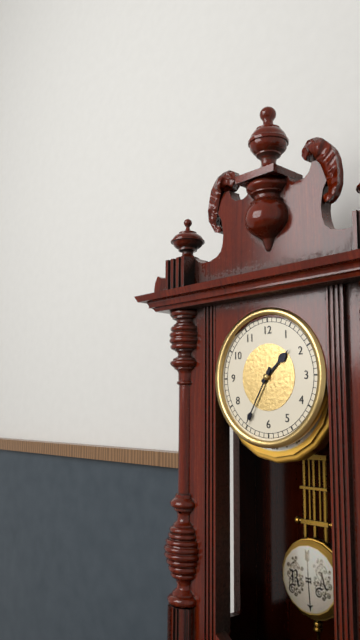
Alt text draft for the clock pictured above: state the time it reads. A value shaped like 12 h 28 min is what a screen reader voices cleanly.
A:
1 h 35 min
